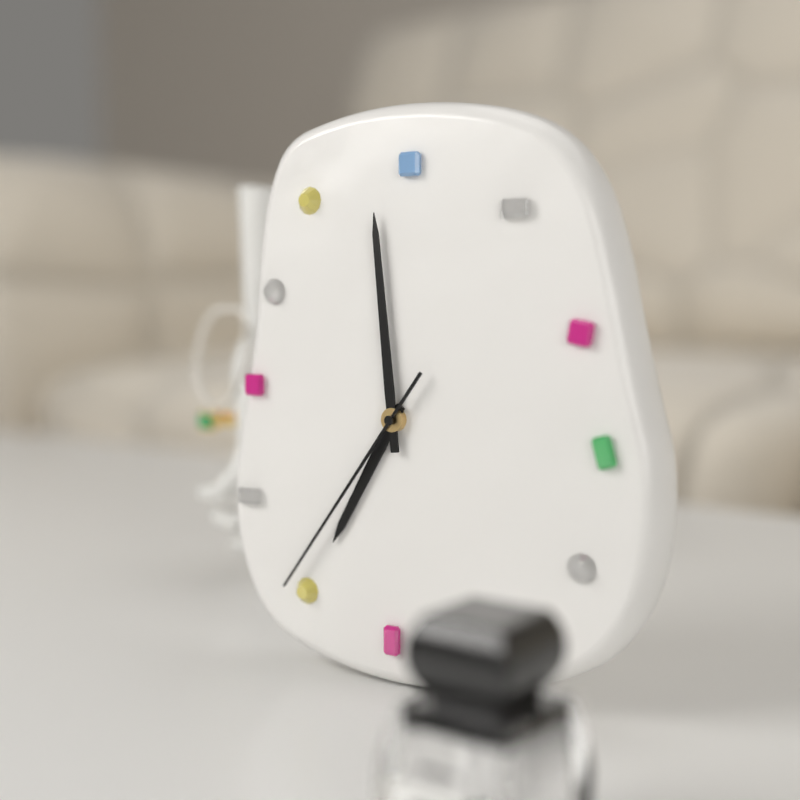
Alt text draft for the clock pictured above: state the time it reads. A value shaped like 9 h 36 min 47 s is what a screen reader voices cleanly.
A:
6 h 59 min 36 s
